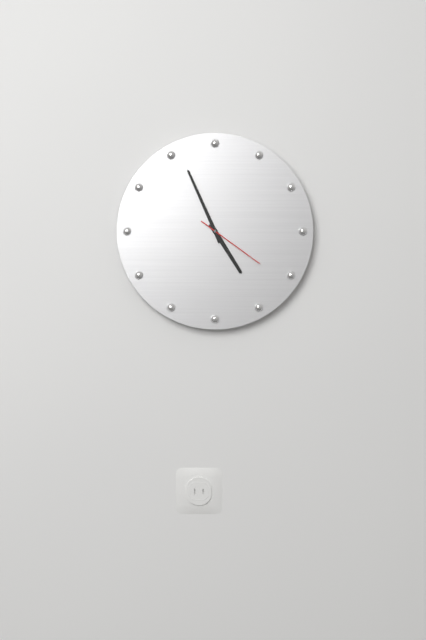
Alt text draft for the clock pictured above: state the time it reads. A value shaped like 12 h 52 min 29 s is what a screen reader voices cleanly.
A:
4 h 56 min 21 s
